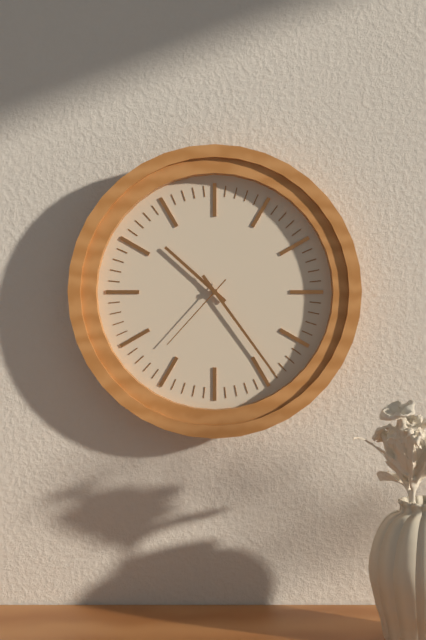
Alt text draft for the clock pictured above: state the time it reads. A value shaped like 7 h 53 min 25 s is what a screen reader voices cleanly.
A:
10 h 24 min 37 s
